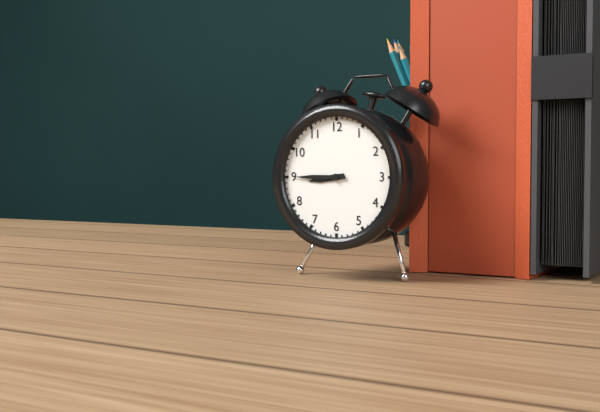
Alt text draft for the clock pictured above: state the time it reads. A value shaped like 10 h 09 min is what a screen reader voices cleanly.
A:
8 h 45 min
